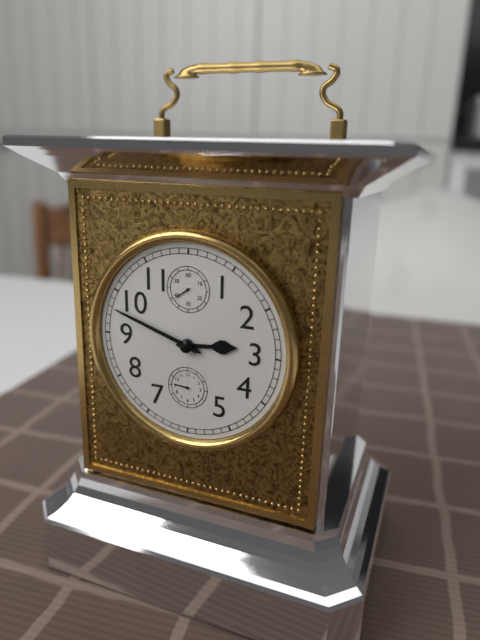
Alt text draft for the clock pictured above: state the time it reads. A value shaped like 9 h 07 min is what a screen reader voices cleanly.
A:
2 h 48 min
